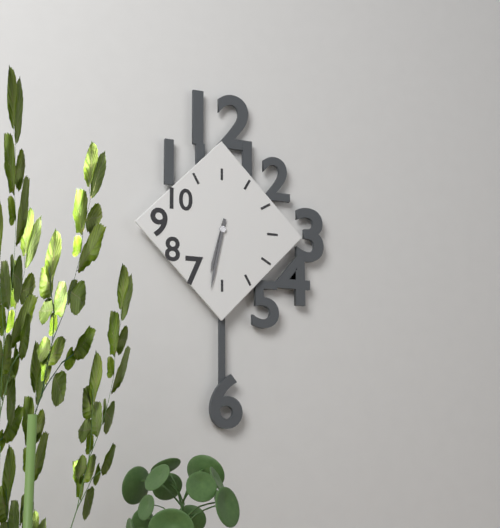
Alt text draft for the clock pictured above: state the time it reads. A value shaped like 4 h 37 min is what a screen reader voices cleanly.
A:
6 h 32 min
